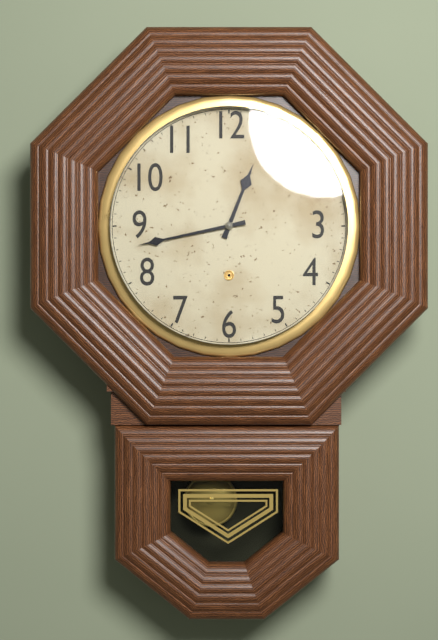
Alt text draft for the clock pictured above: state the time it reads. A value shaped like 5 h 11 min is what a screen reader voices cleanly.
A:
12 h 43 min
